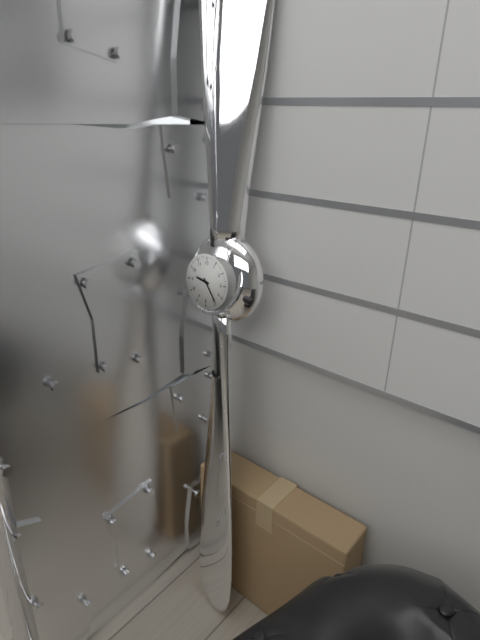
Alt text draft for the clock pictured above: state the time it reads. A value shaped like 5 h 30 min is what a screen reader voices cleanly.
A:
9 h 24 min
